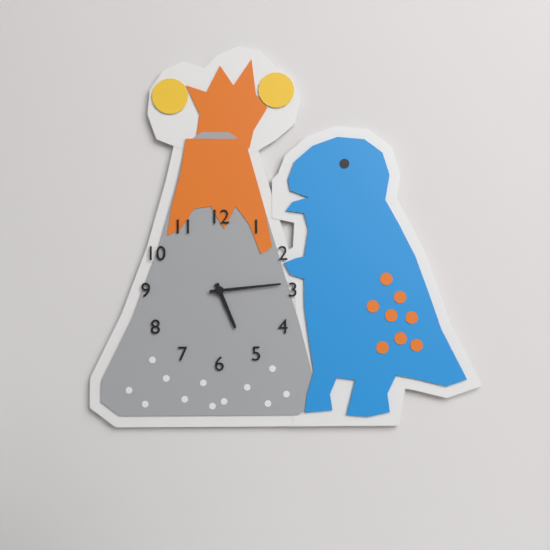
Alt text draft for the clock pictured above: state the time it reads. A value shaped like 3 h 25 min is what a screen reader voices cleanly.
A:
5 h 14 min
